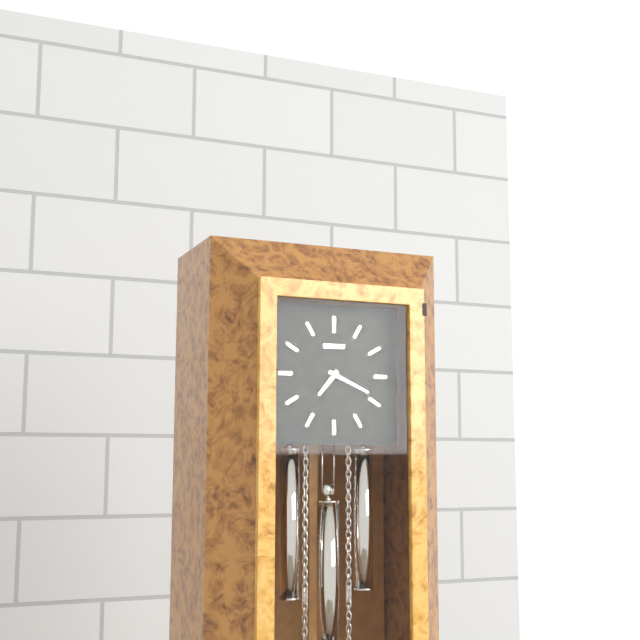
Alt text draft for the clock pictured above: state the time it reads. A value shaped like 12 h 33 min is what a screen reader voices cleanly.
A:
7 h 19 min
